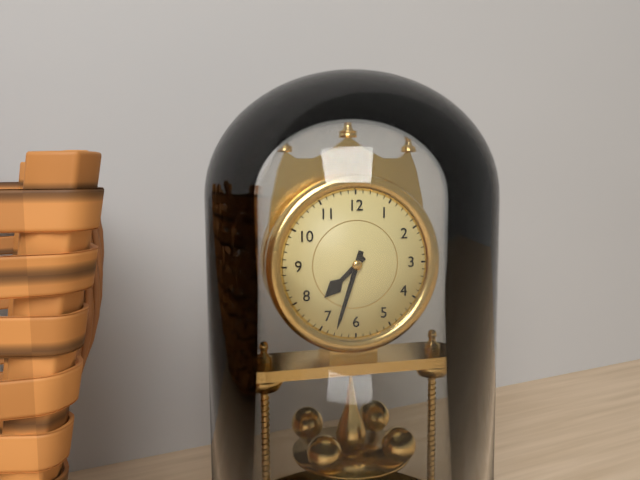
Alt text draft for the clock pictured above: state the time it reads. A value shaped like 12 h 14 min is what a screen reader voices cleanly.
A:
7 h 33 min
